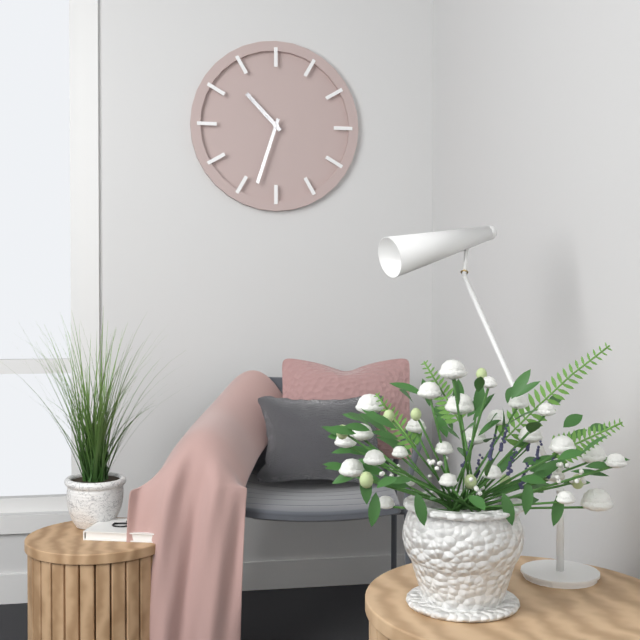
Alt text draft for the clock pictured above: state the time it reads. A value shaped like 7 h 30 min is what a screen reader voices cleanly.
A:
10 h 33 min
